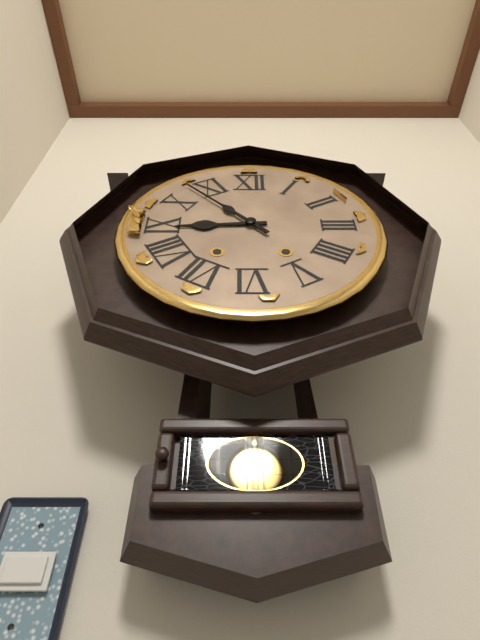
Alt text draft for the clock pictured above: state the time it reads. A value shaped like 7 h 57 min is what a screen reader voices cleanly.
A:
8 h 53 min
